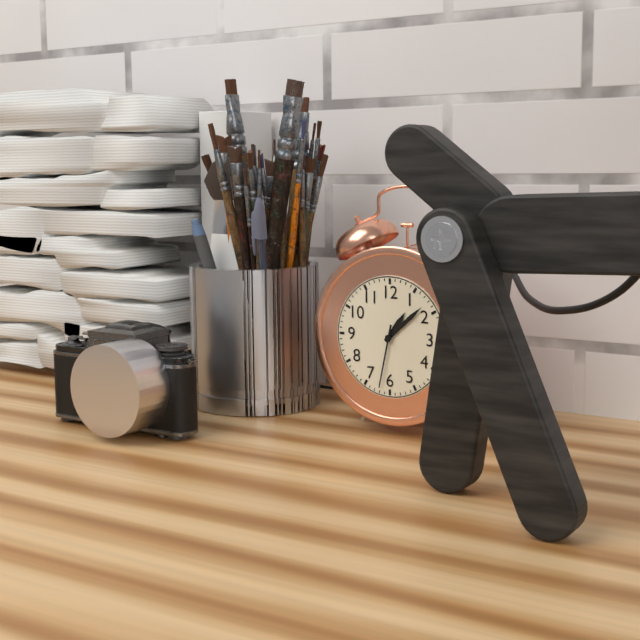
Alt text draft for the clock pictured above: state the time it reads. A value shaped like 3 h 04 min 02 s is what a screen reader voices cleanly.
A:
1 h 08 min 32 s
